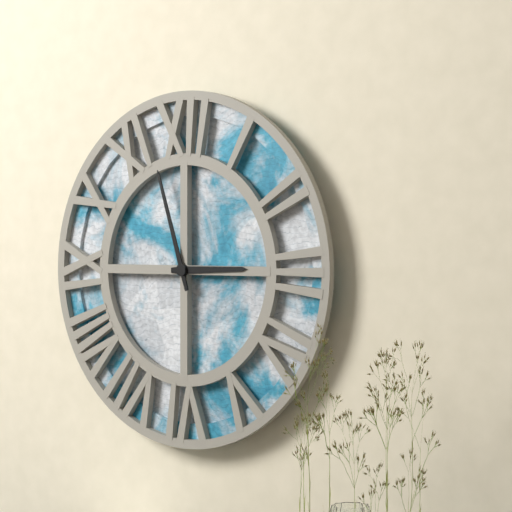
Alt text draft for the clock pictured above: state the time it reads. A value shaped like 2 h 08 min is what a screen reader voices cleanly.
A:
2 h 57 min
